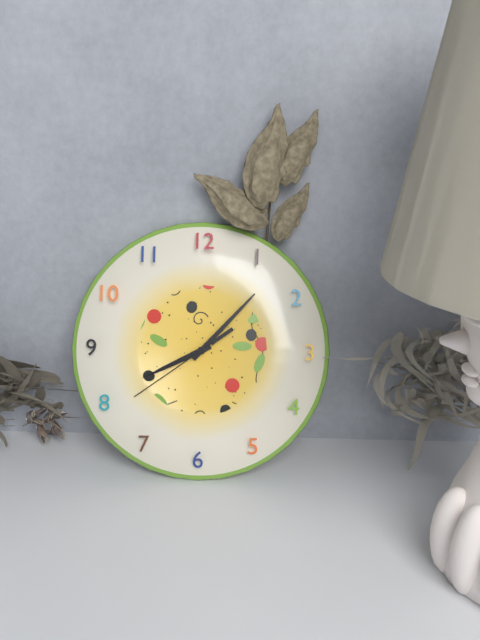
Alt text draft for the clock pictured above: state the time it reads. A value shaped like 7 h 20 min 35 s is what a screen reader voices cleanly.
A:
8 h 07 min 39 s
